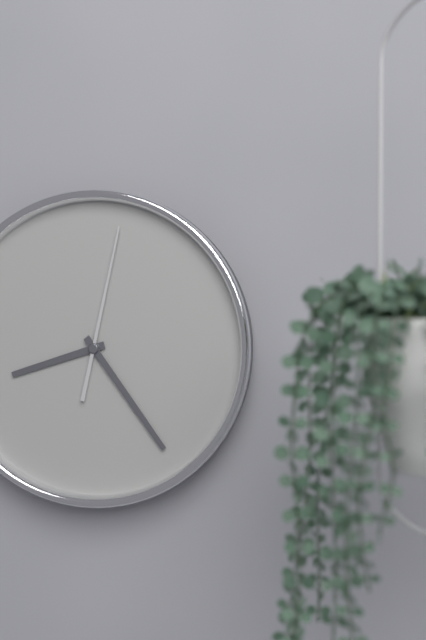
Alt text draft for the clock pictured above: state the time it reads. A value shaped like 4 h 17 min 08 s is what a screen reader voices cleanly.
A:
8 h 24 min 02 s
